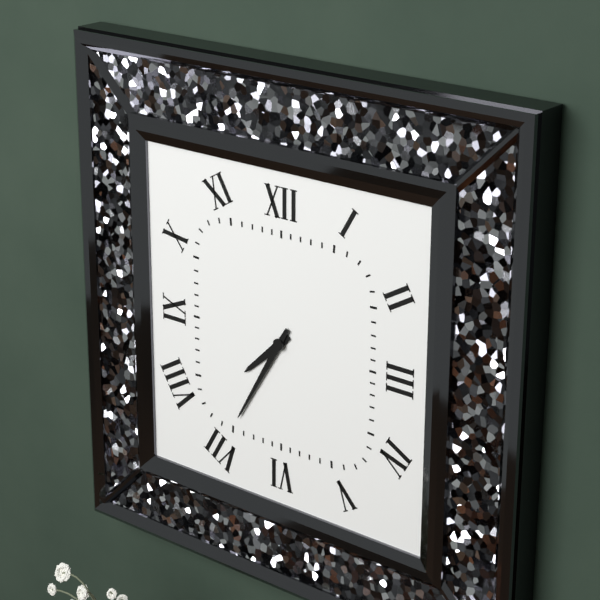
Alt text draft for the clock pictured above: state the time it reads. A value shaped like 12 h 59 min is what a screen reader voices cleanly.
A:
7 h 35 min
